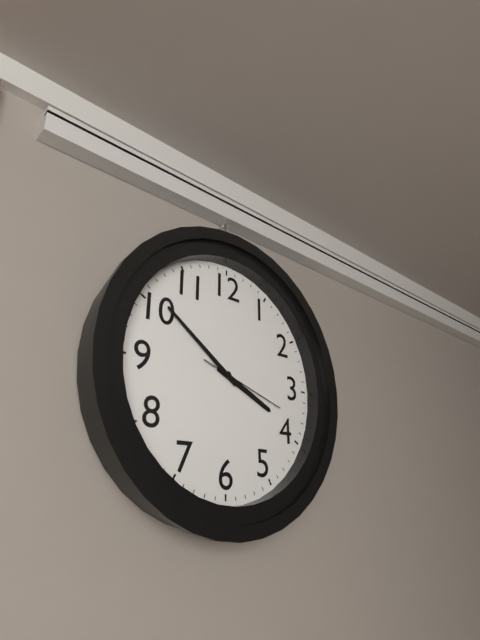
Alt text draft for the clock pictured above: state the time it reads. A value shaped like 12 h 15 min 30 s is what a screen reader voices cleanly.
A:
3 h 51 min 18 s
